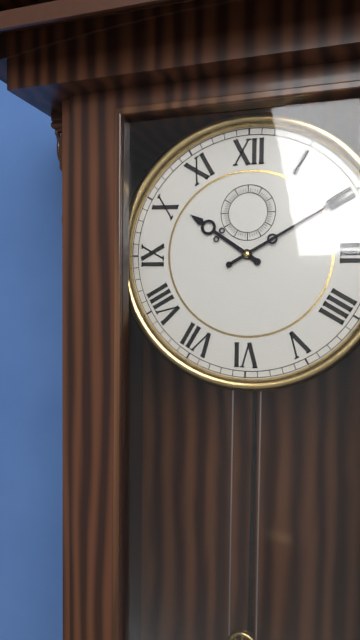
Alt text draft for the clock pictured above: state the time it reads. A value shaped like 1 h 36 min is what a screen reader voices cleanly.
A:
10 h 10 min
